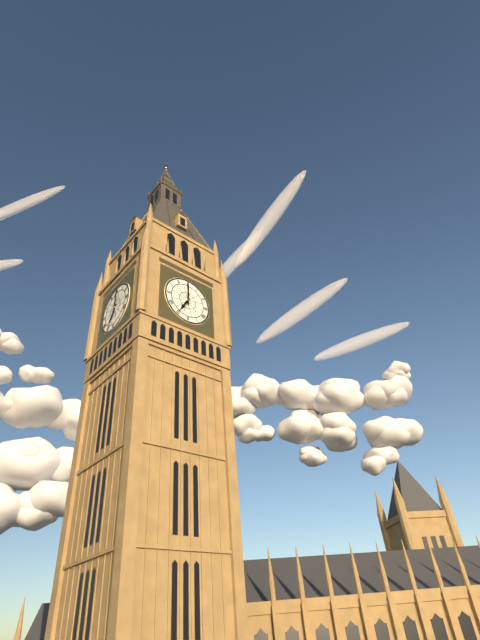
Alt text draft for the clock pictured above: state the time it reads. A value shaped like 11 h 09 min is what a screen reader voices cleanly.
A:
7 h 00 min
